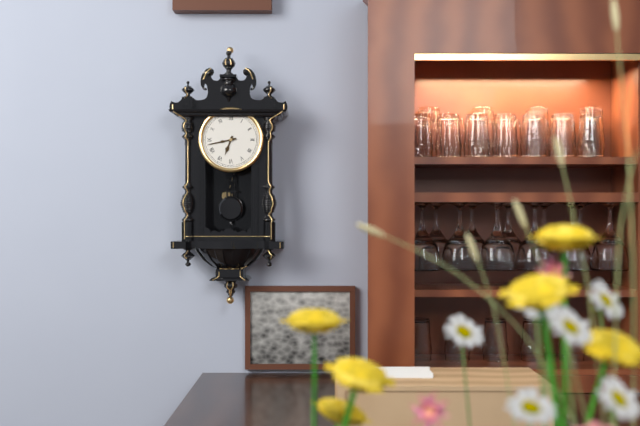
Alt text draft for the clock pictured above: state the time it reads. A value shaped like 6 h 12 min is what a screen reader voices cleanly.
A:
6 h 43 min
